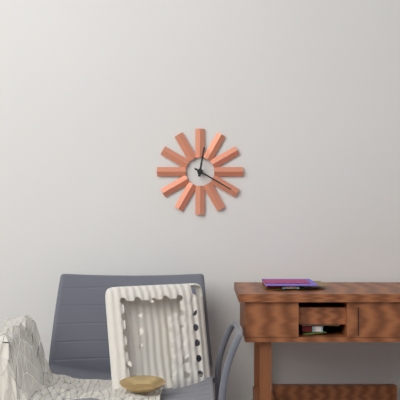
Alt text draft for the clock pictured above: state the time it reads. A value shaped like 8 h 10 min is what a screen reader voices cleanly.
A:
12 h 20 min
